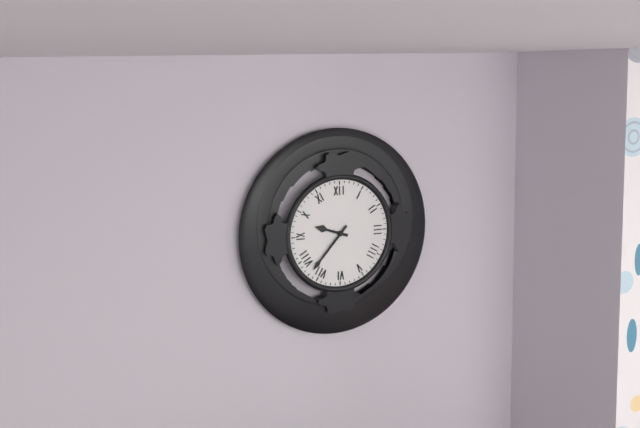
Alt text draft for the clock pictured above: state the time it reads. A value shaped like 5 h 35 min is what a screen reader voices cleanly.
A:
9 h 37 min
